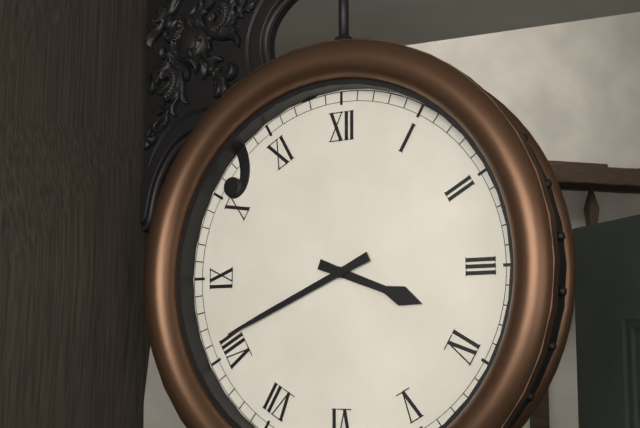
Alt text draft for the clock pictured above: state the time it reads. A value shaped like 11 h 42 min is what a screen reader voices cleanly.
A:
3 h 41 min
